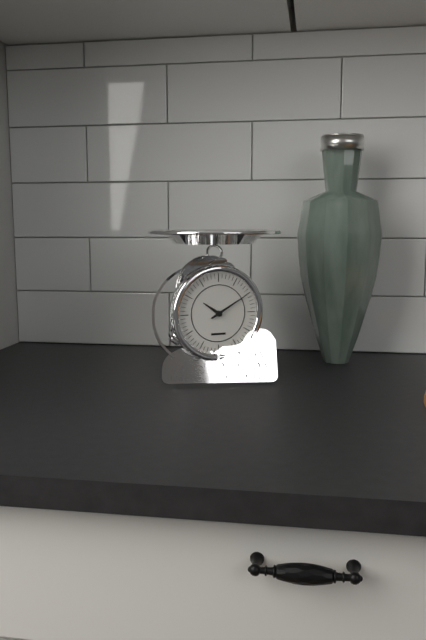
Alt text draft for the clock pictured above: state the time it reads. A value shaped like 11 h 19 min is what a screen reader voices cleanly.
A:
10 h 10 min
